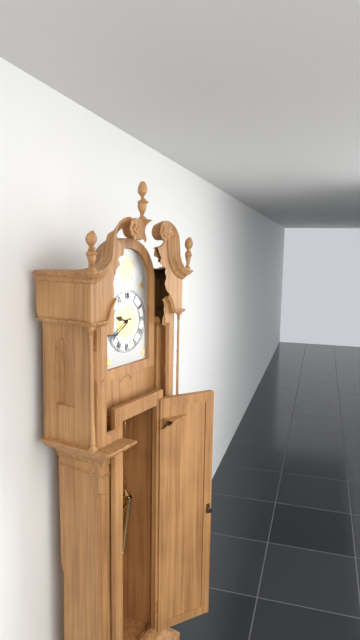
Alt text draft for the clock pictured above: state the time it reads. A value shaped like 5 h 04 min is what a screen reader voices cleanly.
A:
9 h 40 min
